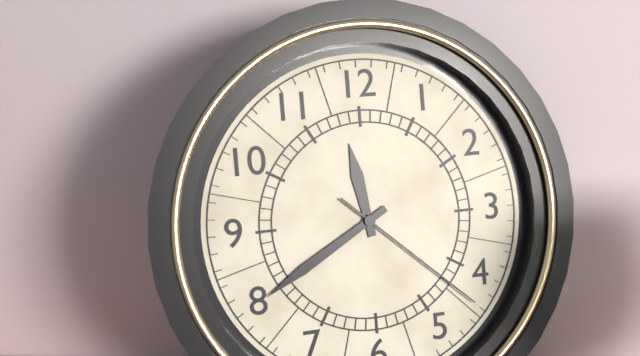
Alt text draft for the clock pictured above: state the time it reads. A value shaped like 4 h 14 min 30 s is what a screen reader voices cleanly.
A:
11 h 40 min 22 s
